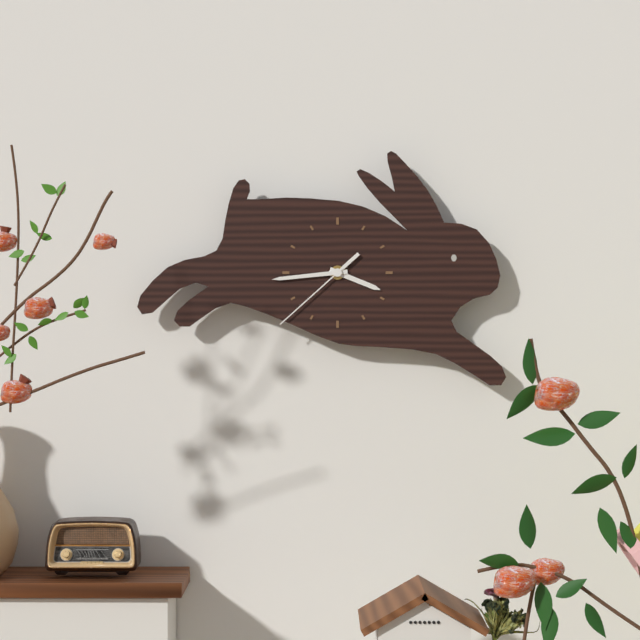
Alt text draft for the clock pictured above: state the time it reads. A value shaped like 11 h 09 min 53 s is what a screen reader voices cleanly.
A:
3 h 44 min 38 s
